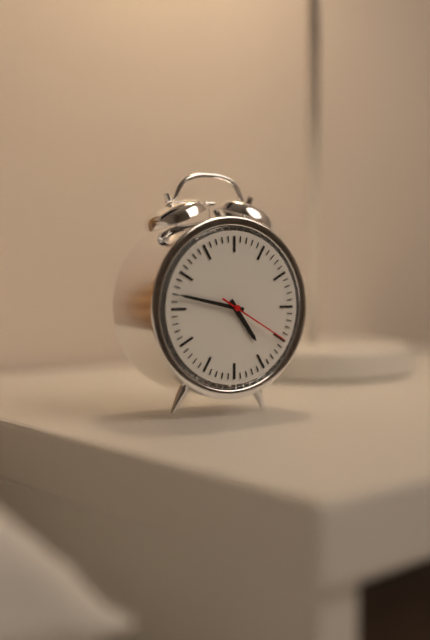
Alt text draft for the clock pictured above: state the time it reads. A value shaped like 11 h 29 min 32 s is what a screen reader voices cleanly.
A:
4 h 47 min 20 s
